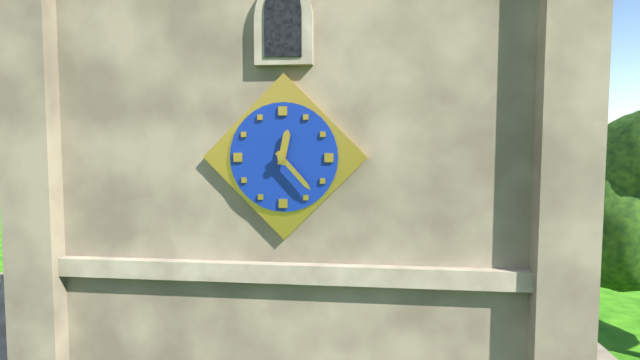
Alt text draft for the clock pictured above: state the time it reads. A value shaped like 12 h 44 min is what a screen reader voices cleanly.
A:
12 h 23 min
